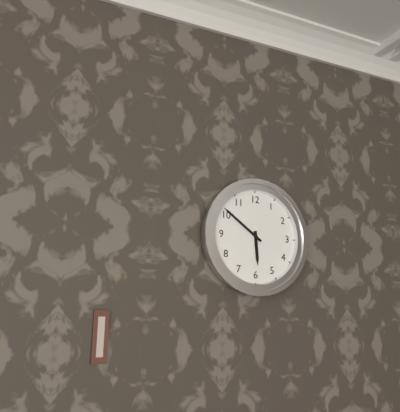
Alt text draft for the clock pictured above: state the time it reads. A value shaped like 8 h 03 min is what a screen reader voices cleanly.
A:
5 h 51 min
